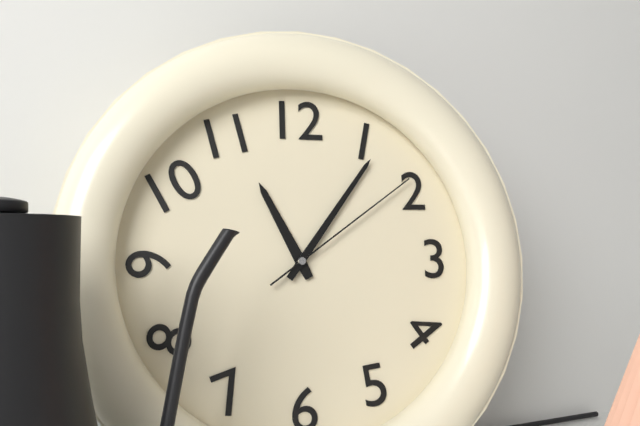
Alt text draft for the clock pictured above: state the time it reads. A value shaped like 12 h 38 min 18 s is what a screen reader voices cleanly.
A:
11 h 06 min 09 s
